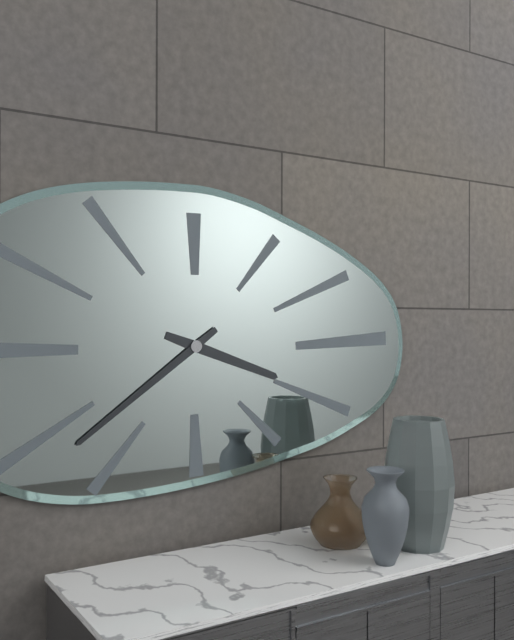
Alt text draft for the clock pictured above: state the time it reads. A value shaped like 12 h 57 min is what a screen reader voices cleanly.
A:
3 h 39 min
